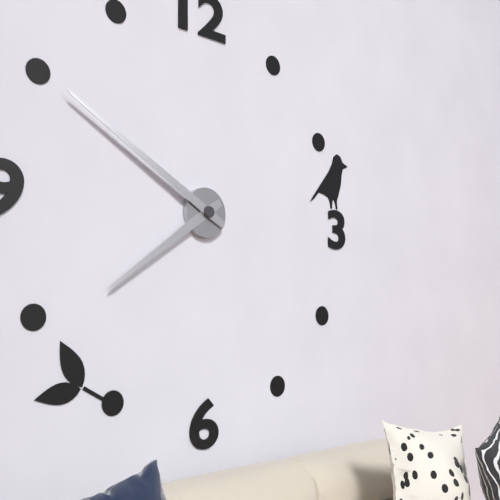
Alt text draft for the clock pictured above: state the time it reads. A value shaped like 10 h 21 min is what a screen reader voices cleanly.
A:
7 h 50 min
